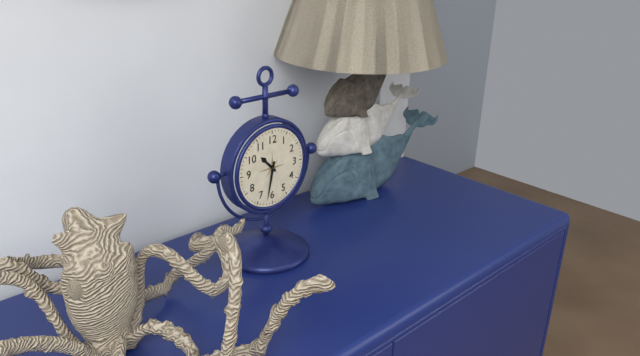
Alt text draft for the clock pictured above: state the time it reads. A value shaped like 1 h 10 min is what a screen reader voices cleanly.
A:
10 h 32 min
